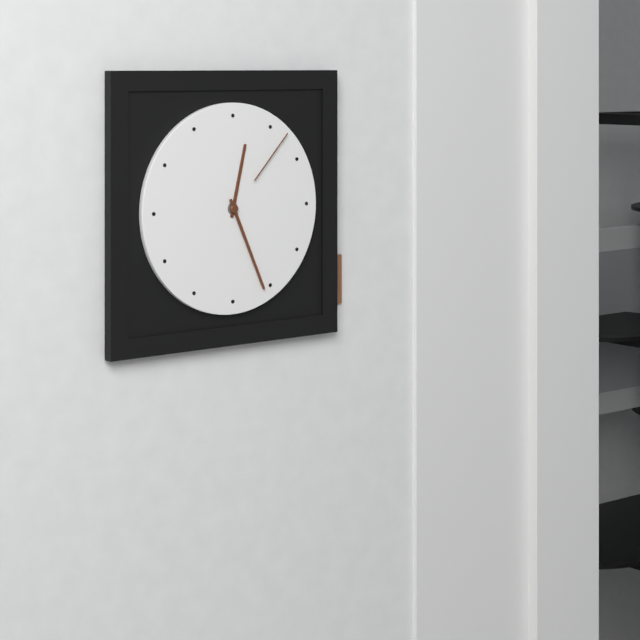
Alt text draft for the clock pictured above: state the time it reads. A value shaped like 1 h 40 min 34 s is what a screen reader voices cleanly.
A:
12 h 26 min 07 s
